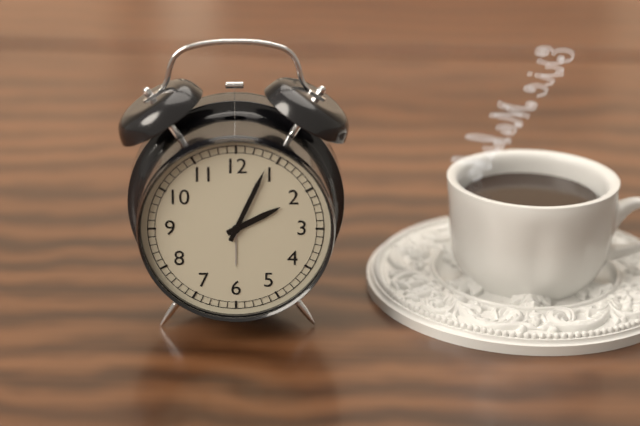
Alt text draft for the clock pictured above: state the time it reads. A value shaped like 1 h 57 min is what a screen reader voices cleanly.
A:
2 h 04 min
